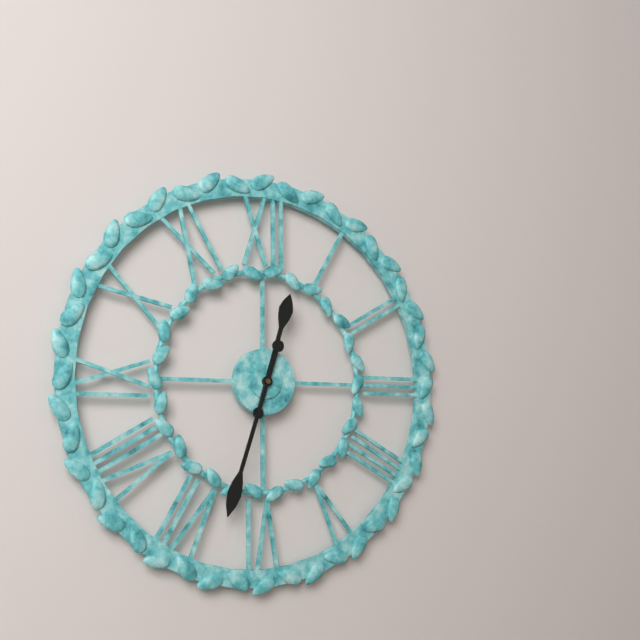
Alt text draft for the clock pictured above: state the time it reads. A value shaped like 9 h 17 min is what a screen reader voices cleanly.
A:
12 h 33 min
